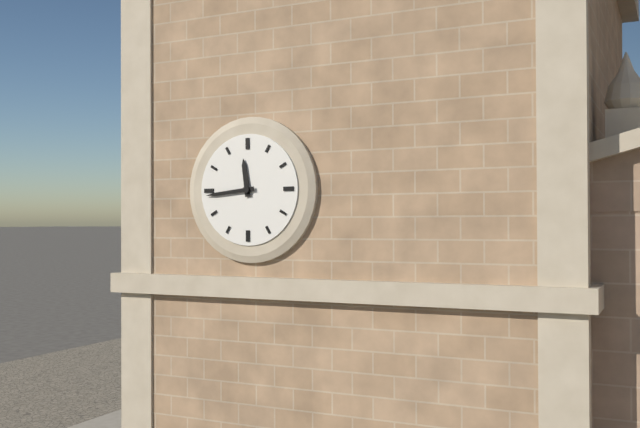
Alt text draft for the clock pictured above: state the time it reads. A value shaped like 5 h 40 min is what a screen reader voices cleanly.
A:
11 h 44 min
